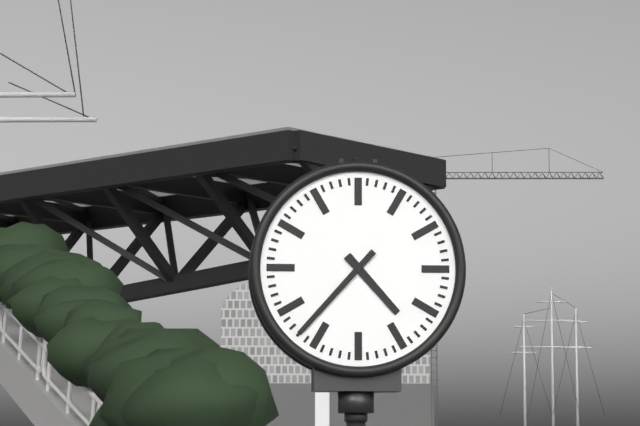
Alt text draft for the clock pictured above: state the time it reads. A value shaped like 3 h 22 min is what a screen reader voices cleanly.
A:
4 h 37 min
